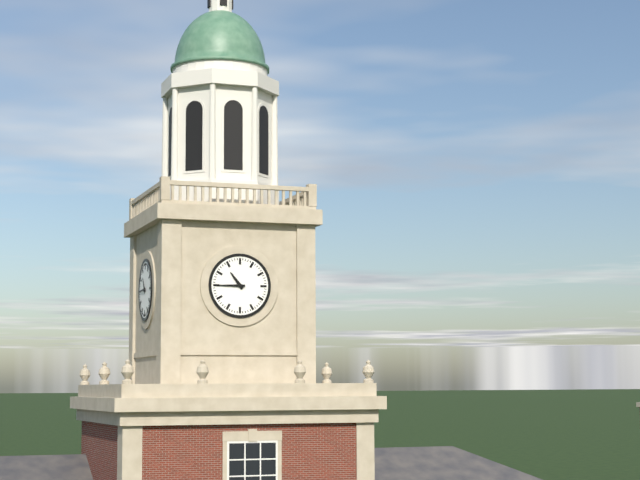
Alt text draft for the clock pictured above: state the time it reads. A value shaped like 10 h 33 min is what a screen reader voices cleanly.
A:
10 h 45 min
